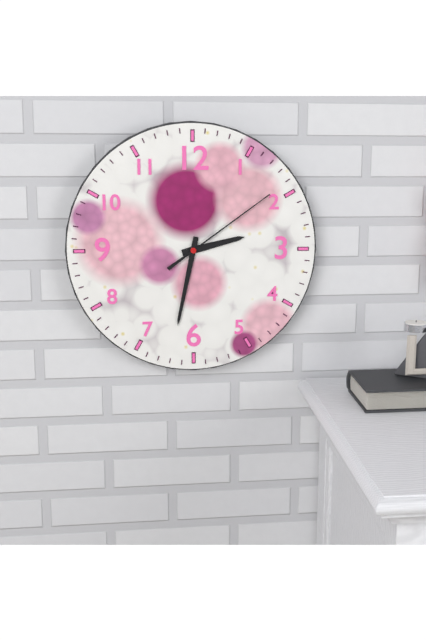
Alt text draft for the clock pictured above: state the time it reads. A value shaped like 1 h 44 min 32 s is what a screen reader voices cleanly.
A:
2 h 32 min 09 s
